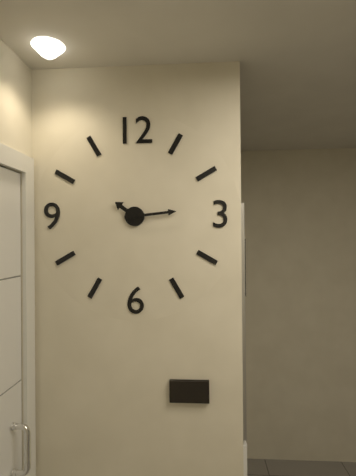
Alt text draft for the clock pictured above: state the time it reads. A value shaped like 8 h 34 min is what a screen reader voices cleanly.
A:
10 h 14 min
